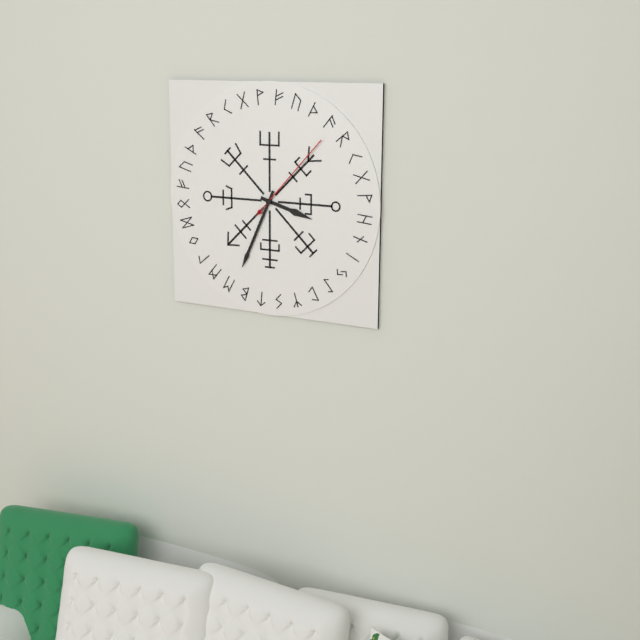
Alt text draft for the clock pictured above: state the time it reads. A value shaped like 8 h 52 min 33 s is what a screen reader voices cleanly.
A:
3 h 34 min 07 s
